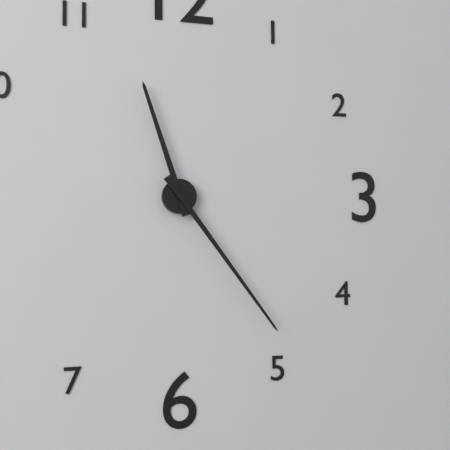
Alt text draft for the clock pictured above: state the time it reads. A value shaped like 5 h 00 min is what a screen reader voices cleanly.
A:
11 h 24 min
